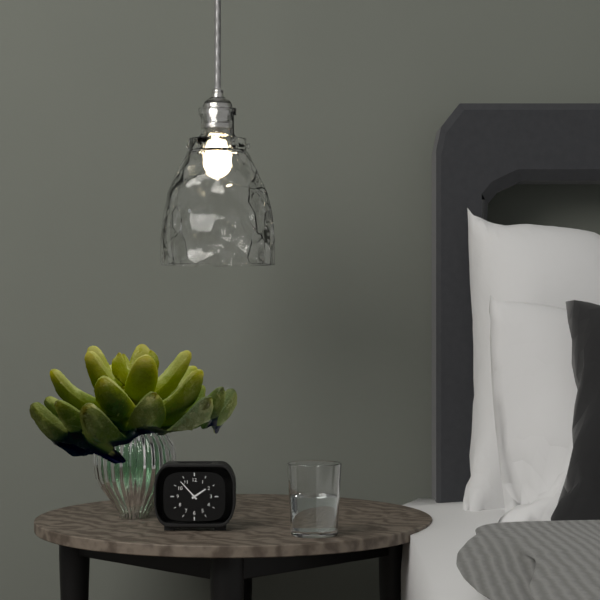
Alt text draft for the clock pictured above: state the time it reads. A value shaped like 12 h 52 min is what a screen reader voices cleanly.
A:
1 h 53 min
